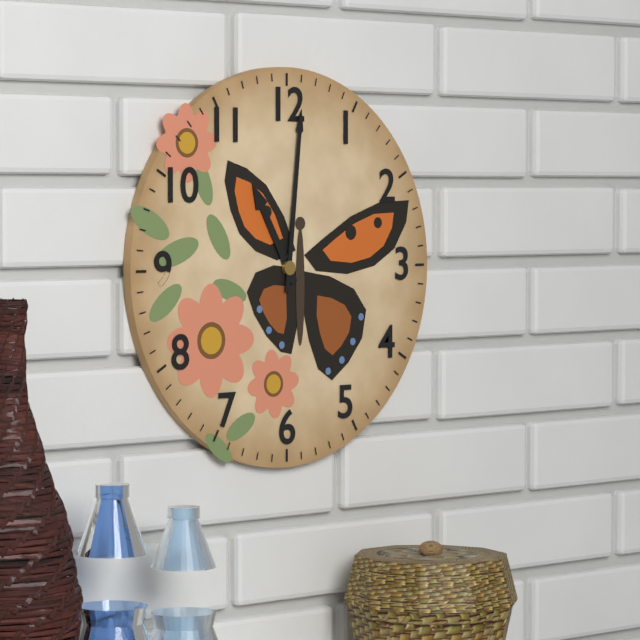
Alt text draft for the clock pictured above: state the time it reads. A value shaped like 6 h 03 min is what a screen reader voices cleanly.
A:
11 h 01 min
